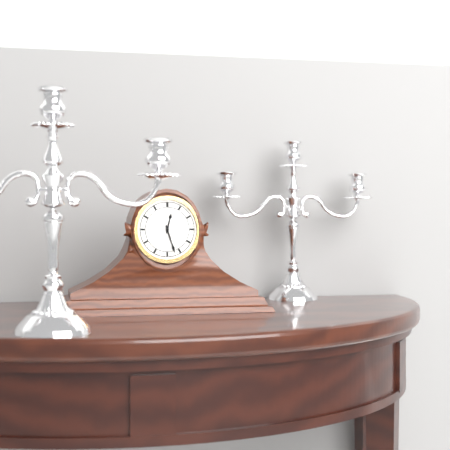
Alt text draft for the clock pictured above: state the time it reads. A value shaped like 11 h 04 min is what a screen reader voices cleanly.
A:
12 h 27 min
